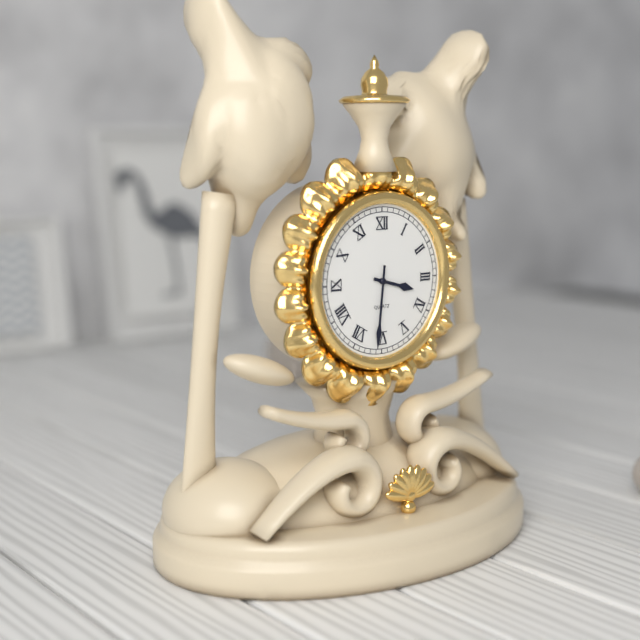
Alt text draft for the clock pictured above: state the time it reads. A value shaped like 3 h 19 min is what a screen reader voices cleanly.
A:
3 h 31 min
